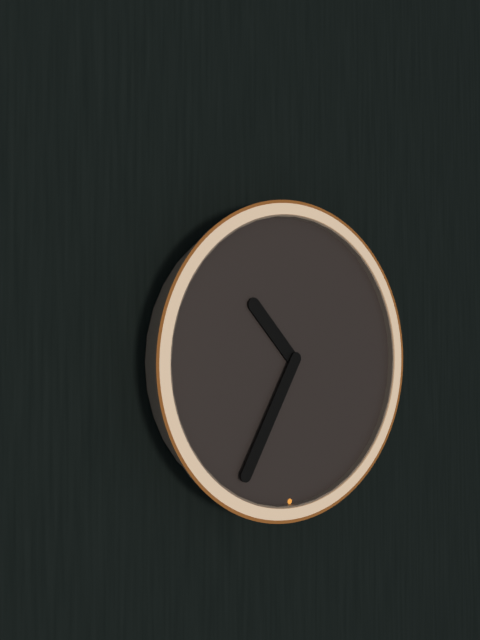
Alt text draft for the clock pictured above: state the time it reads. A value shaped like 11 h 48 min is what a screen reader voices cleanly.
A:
10 h 35 min
